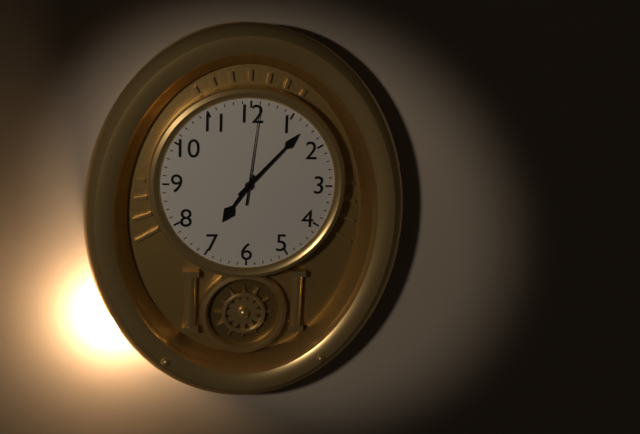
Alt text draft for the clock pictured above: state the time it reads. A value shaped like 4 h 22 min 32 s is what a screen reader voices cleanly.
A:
7 h 07 min 01 s
